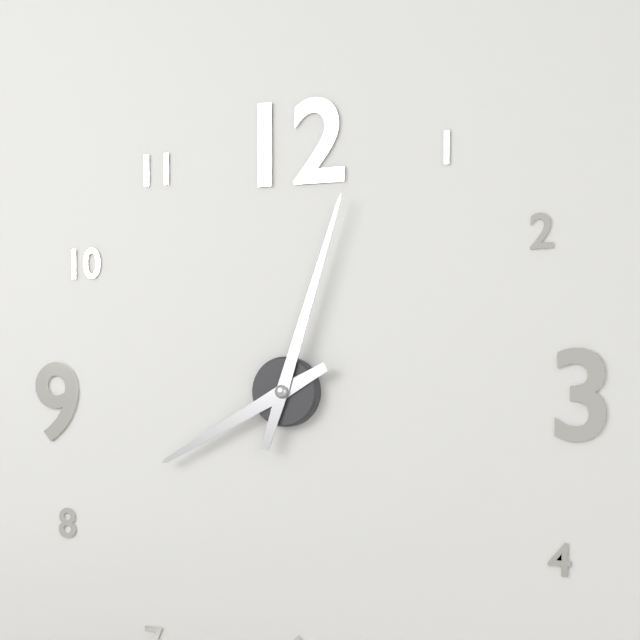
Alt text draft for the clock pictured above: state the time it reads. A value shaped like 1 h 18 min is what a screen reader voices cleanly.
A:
8 h 03 min
